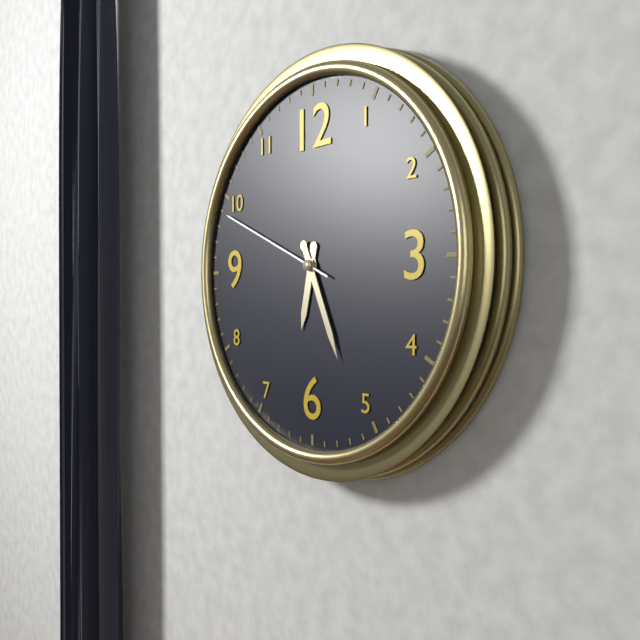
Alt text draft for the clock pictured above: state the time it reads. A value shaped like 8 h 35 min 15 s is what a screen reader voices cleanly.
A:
6 h 26 min 49 s
